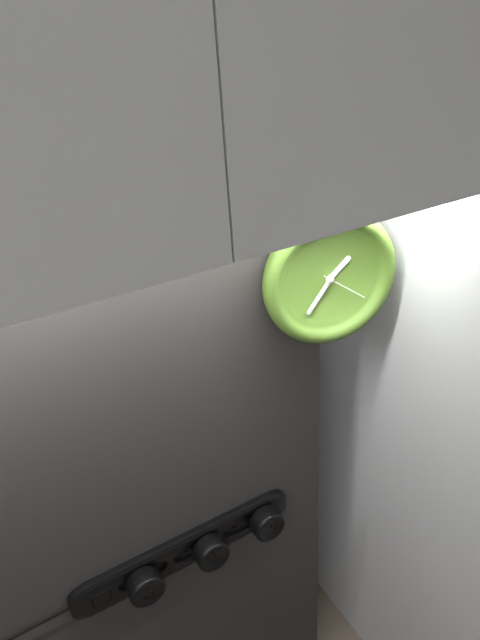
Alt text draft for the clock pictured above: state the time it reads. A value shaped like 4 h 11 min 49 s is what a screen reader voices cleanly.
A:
1 h 36 min 21 s
